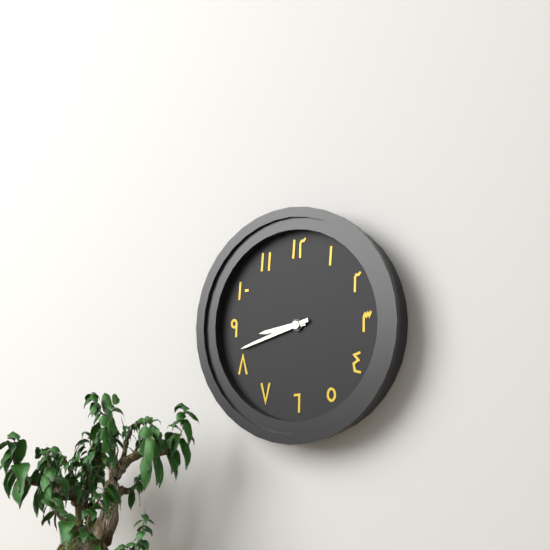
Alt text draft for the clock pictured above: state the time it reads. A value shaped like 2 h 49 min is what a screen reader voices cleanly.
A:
8 h 42 min
